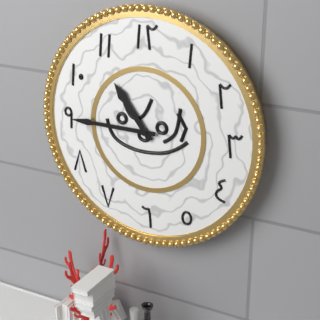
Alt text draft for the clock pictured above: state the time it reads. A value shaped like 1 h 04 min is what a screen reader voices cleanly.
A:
10 h 45 min
